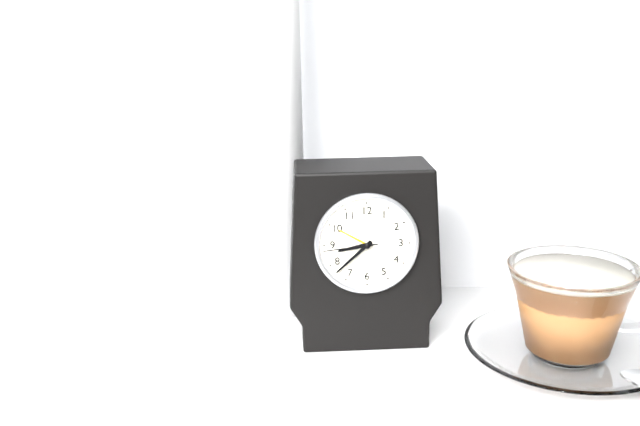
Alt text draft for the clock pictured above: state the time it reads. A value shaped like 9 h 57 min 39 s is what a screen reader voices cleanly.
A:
8 h 38 min 44 s
